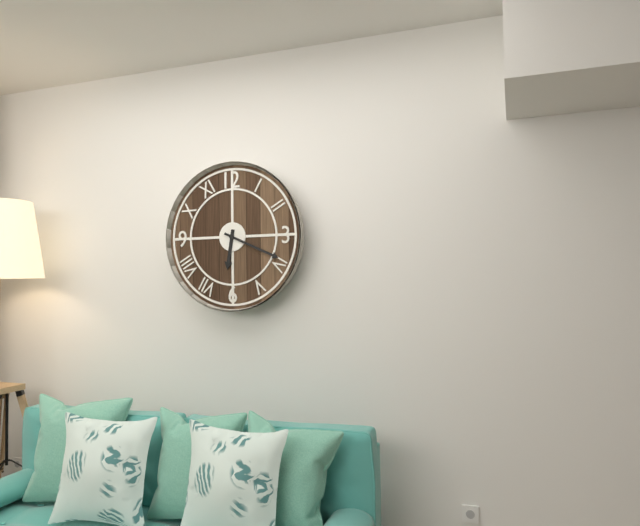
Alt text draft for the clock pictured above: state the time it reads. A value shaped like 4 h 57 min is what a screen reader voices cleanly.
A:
6 h 19 min
